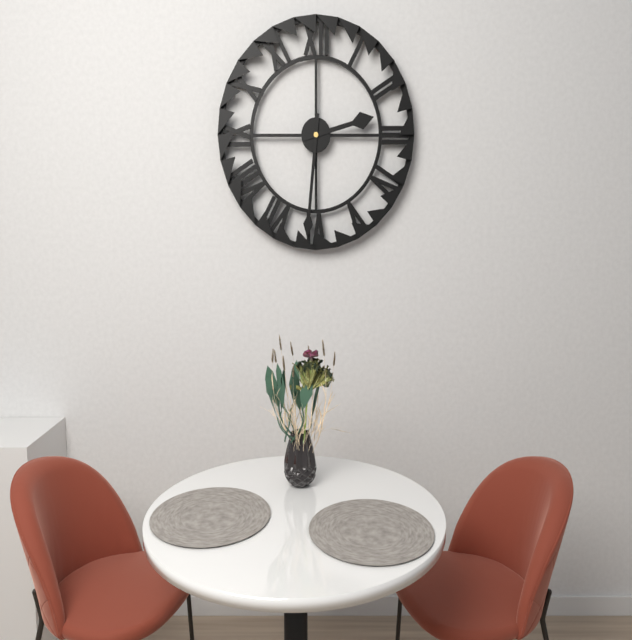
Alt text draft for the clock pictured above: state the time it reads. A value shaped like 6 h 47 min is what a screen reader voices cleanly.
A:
2 h 31 min
